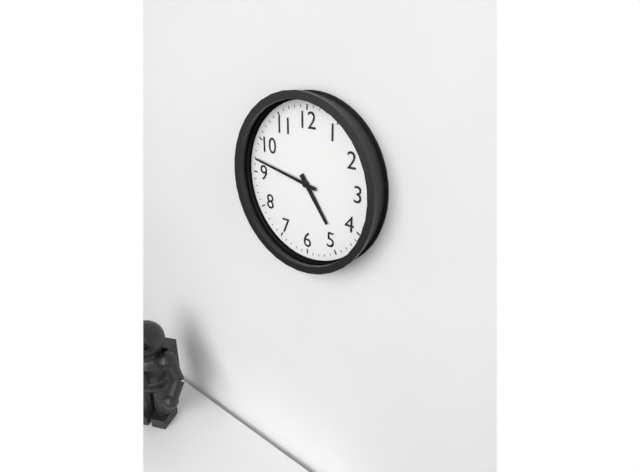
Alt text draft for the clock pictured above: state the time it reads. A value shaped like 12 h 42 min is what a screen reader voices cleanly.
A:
4 h 47 min
